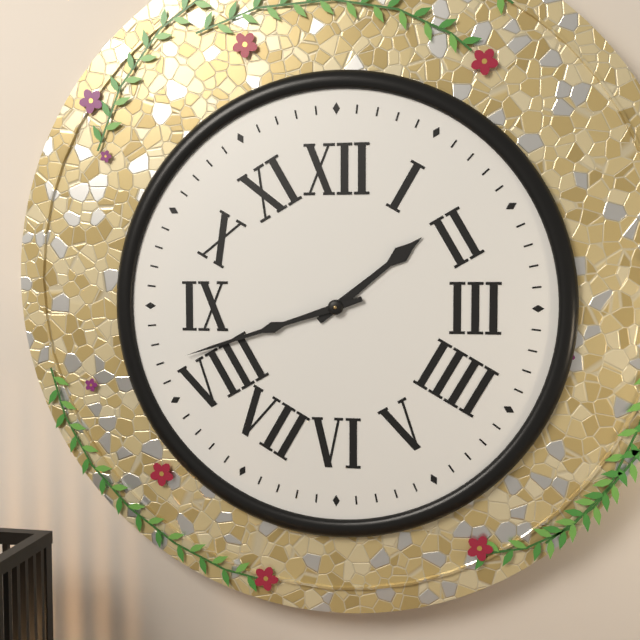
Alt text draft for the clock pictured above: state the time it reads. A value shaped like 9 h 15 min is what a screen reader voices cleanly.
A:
1 h 42 min
